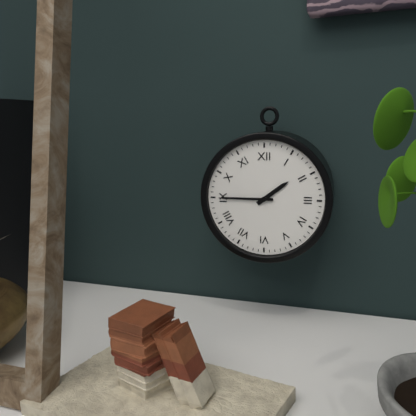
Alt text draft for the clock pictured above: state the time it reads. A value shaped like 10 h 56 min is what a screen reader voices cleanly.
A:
1 h 45 min
